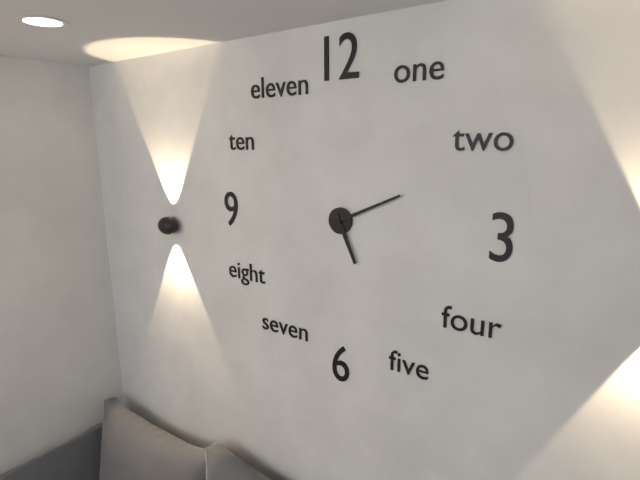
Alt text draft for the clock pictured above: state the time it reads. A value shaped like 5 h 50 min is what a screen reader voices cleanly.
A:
5 h 11 min
